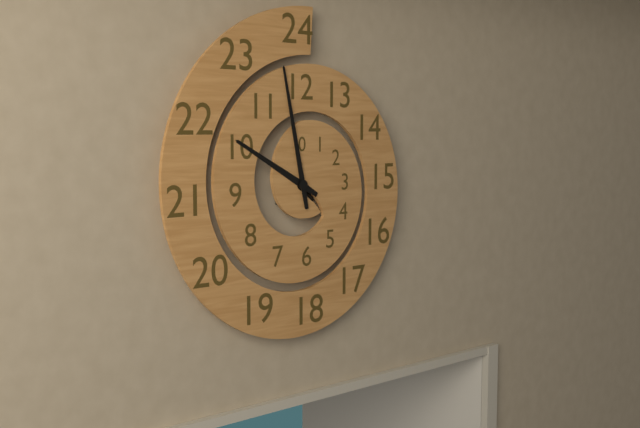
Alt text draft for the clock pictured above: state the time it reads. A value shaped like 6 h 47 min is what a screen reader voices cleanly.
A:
9 h 58 min
